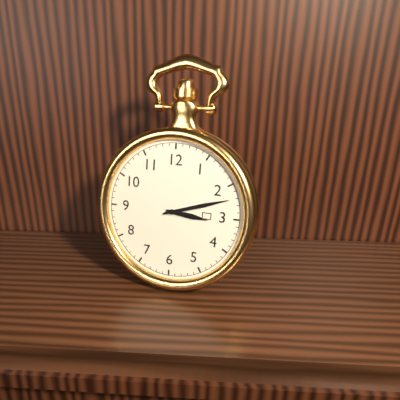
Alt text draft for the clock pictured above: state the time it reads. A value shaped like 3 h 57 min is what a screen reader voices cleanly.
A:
3 h 12 min
